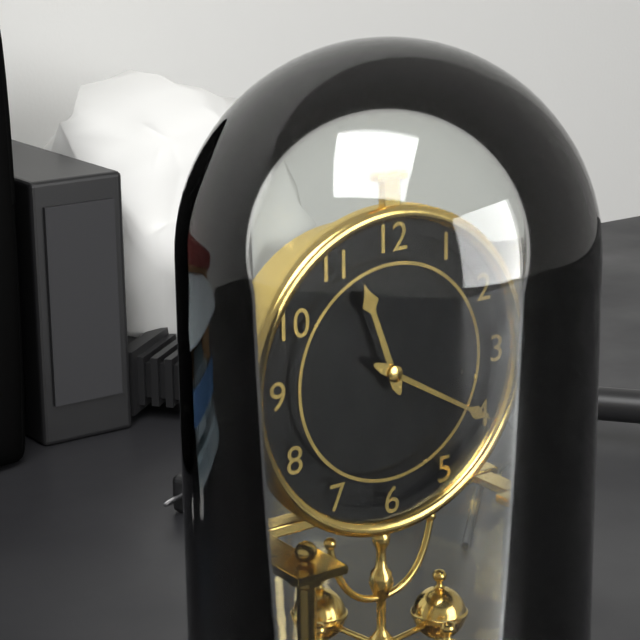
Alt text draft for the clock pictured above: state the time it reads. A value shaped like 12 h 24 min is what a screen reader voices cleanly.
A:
11 h 20 min
